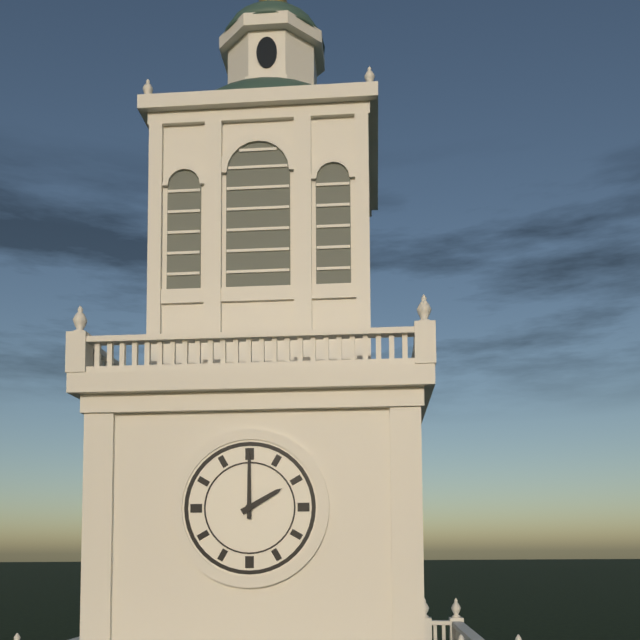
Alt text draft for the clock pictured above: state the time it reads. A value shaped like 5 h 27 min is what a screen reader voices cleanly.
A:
2 h 00 min
